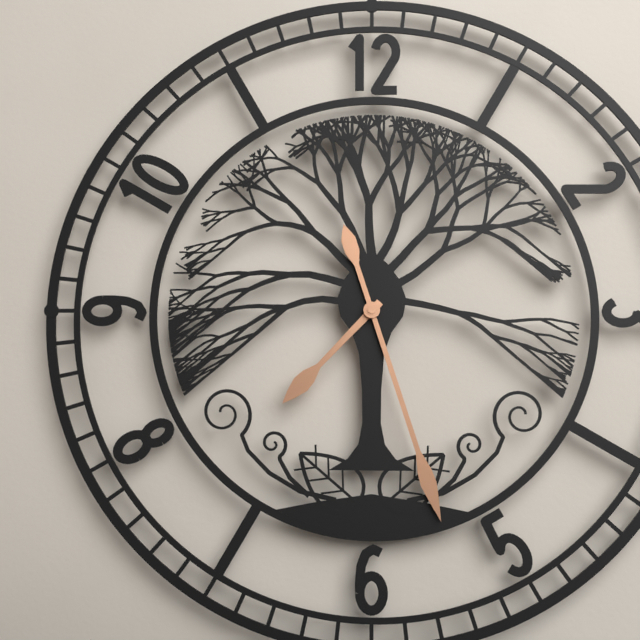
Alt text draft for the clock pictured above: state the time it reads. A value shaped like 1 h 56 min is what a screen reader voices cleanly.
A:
7 h 27 min
